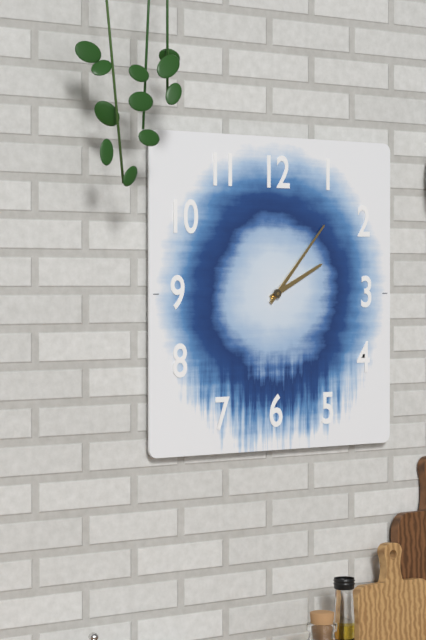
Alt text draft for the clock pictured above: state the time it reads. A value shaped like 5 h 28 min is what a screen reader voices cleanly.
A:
2 h 07 min
